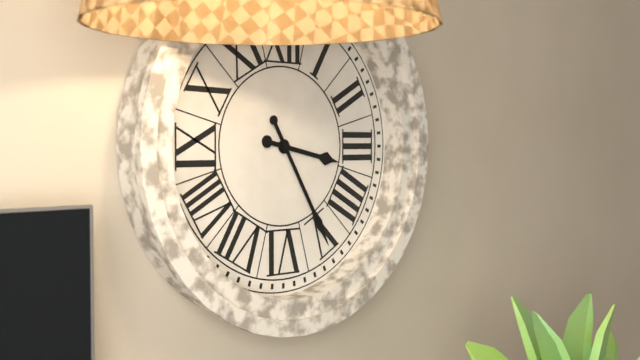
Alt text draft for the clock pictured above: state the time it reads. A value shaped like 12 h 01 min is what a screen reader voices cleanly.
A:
3 h 25 min
